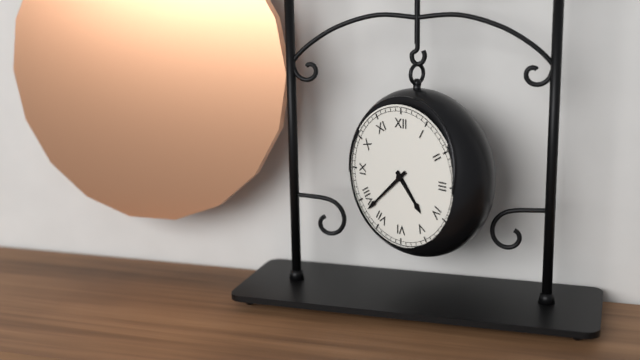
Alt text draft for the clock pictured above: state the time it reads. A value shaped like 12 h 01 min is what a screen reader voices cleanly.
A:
4 h 38 min
